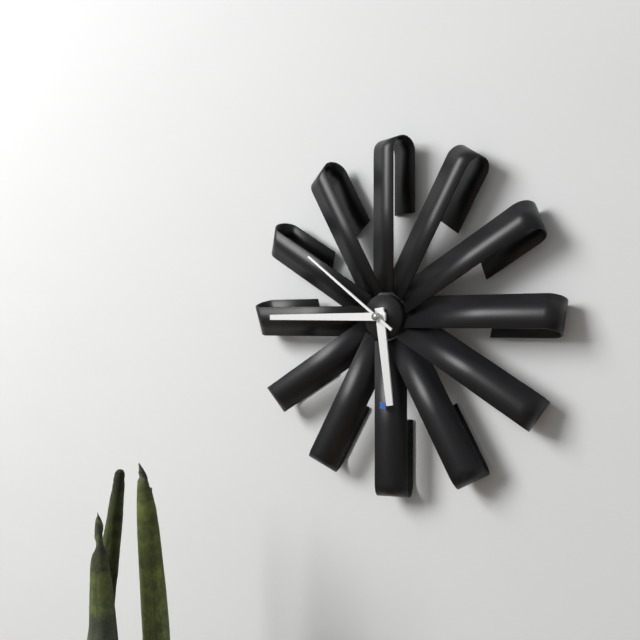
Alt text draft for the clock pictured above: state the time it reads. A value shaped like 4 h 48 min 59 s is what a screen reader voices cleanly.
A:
5 h 45 min 51 s
